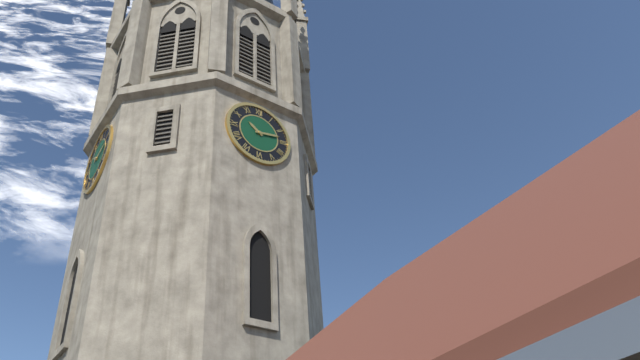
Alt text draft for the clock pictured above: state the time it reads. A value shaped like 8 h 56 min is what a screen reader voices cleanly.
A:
10 h 13 min
